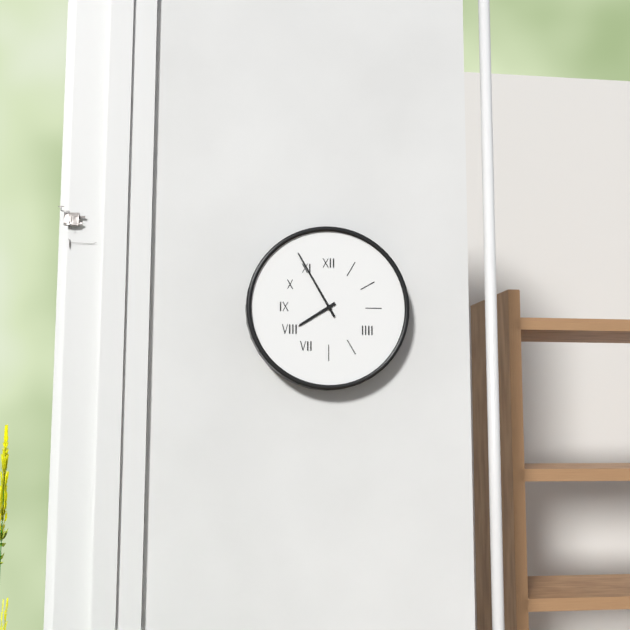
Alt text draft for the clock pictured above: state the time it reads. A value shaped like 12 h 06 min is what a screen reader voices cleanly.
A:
7 h 55 min
